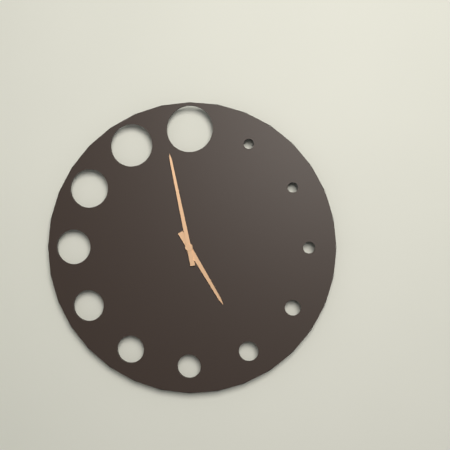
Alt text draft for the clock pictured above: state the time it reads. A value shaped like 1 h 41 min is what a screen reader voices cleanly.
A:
4 h 58 min
